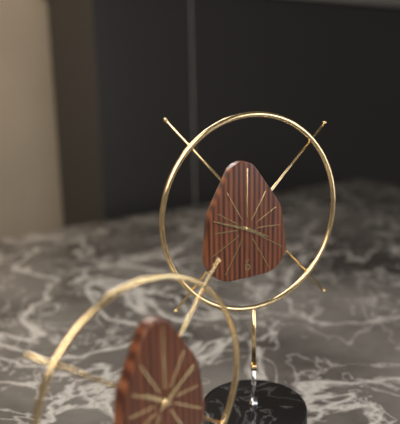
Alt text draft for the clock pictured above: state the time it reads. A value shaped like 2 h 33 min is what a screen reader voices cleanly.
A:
3 h 48 min
